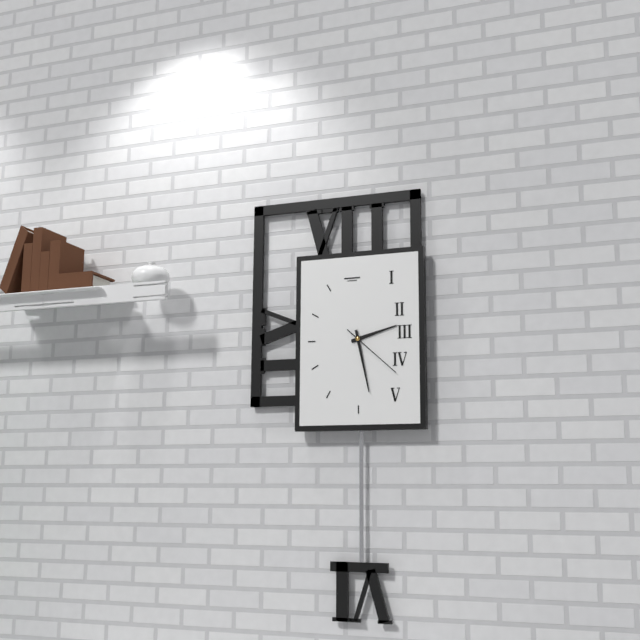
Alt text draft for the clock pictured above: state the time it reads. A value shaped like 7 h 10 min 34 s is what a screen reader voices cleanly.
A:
2 h 28 min 22 s
